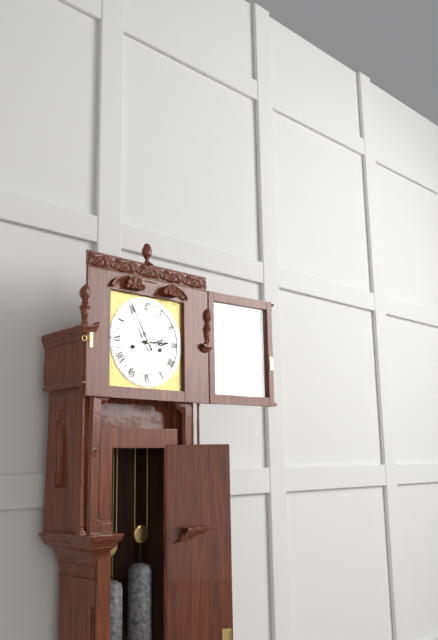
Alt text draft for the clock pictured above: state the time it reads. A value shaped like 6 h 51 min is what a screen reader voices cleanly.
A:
2 h 55 min
